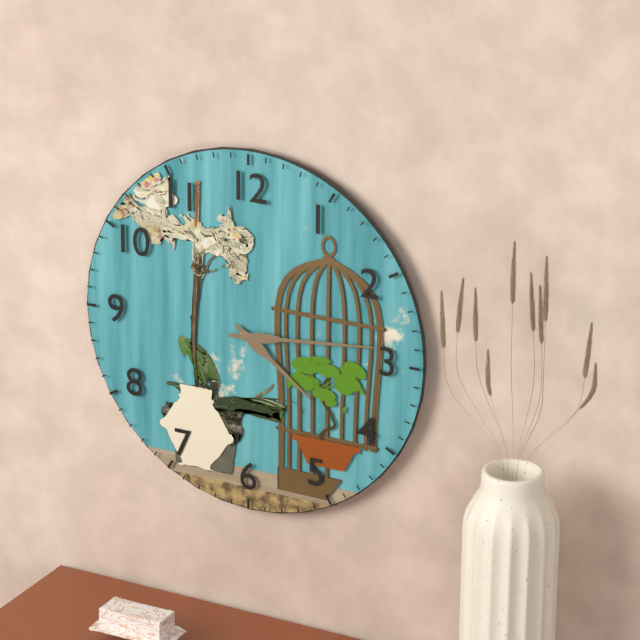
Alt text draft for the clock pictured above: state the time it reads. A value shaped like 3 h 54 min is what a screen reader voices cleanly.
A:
4 h 14 min
